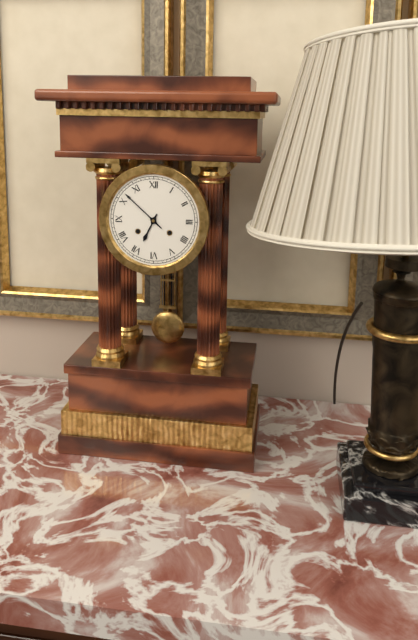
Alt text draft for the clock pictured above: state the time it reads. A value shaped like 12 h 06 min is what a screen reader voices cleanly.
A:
6 h 52 min
